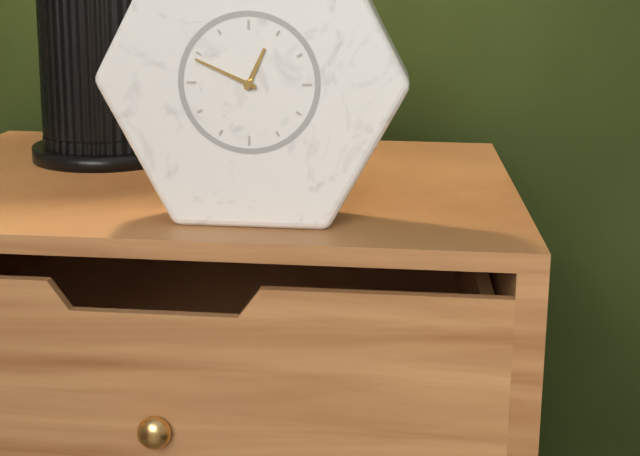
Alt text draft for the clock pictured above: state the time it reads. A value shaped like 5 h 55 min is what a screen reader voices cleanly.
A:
12 h 49 min
